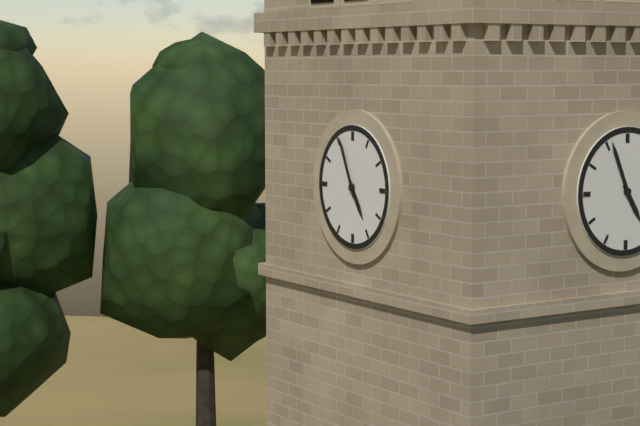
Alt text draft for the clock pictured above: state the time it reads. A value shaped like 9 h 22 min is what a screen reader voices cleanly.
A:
4 h 56 min
